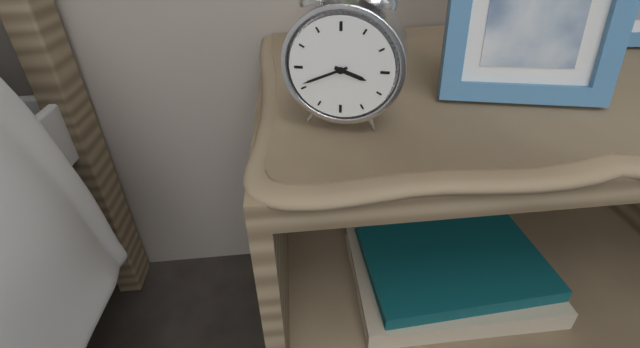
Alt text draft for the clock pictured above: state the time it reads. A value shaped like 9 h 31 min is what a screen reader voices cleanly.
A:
3 h 41 min
